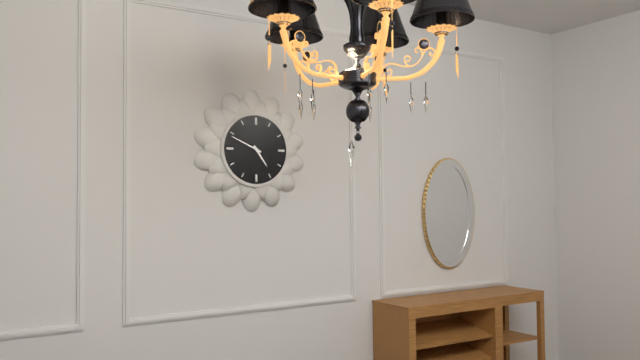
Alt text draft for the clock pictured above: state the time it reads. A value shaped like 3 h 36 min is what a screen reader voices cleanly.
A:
4 h 49 min
